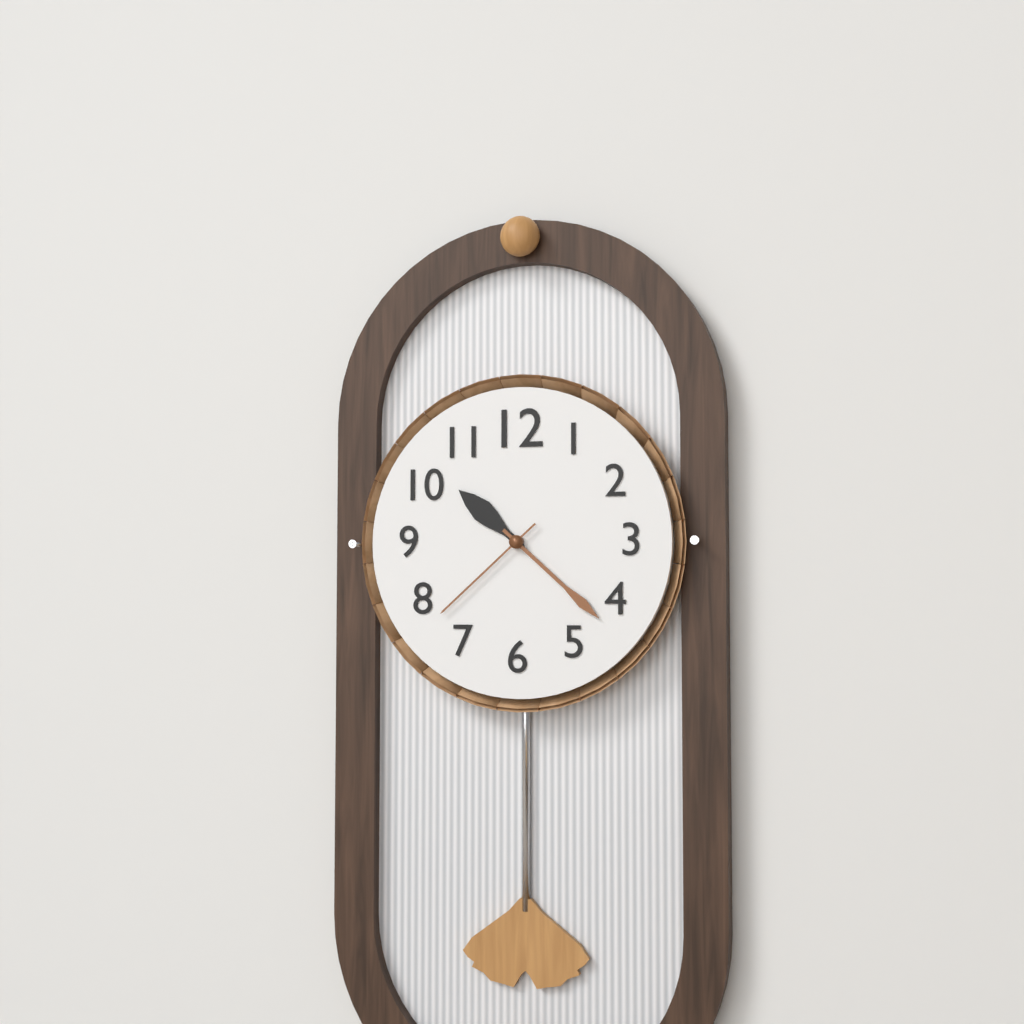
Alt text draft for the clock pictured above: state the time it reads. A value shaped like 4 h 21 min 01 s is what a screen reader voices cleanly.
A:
10 h 22 min 38 s
